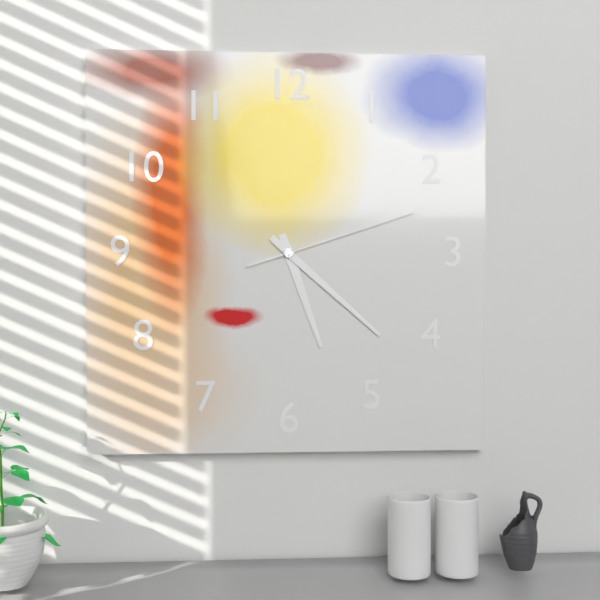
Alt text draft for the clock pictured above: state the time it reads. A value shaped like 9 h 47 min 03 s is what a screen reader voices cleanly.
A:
5 h 22 min 12 s
